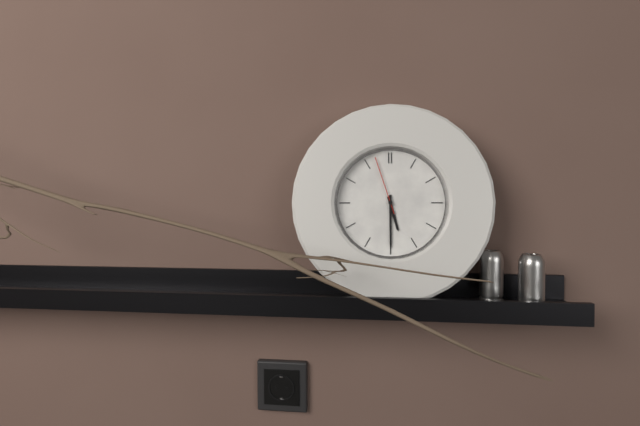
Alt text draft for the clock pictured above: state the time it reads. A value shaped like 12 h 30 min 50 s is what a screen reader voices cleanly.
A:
5 h 30 min 57 s
